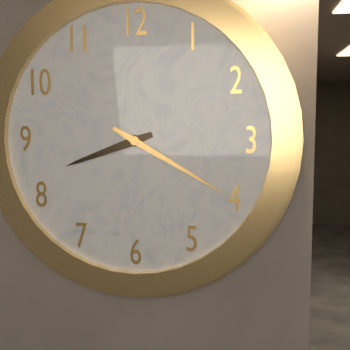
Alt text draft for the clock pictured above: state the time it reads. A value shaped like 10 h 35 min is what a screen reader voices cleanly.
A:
8 h 20 min
